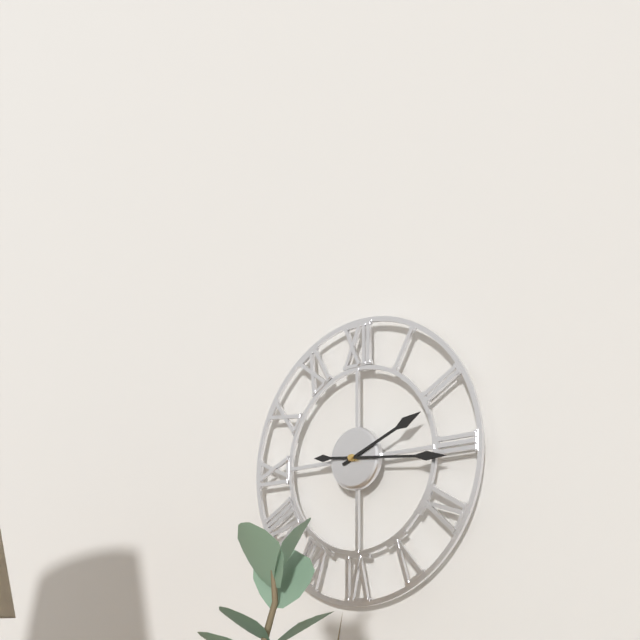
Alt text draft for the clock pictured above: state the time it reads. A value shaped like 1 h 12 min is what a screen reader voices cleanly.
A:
2 h 16 min
